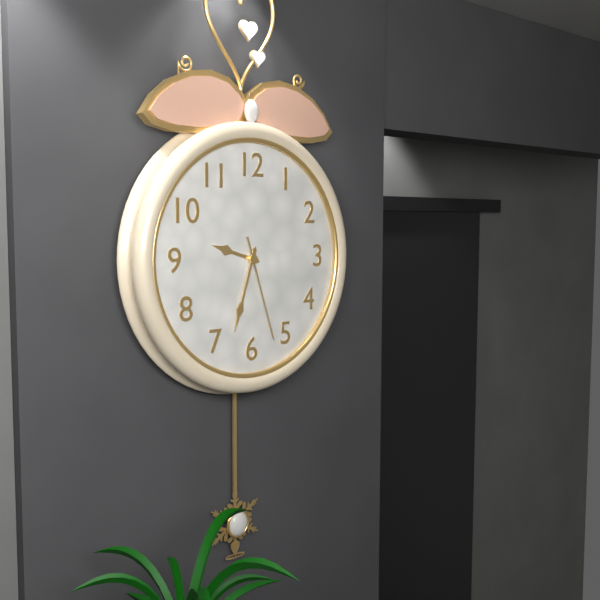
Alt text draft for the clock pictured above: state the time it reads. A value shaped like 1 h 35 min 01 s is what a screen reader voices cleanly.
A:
9 h 33 min 27 s
